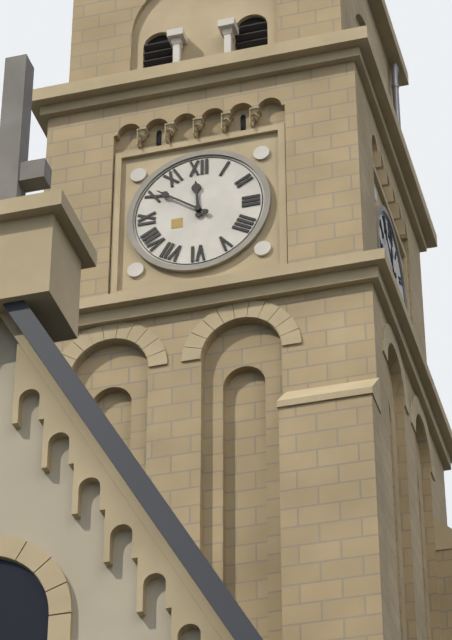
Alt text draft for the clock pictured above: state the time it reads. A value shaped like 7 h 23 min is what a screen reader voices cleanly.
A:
11 h 51 min
